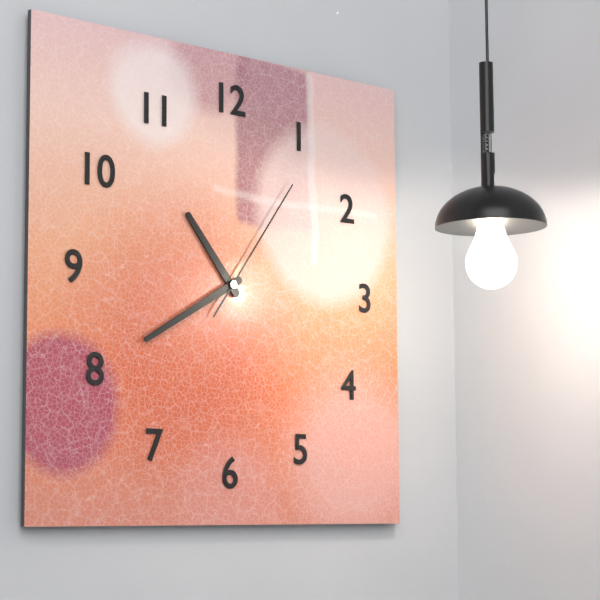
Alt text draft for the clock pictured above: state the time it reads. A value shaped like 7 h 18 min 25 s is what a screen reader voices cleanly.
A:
10 h 40 min 06 s
